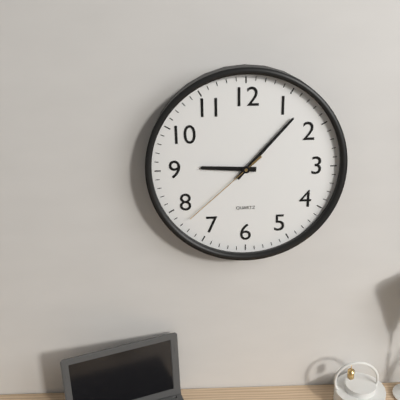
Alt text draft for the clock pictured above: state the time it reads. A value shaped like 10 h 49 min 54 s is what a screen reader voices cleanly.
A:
9 h 07 min 38 s
